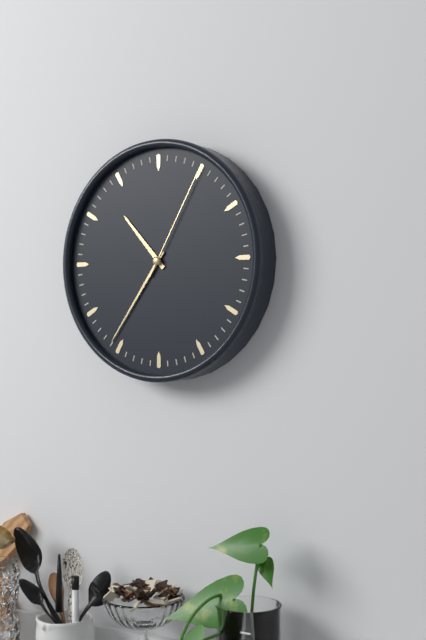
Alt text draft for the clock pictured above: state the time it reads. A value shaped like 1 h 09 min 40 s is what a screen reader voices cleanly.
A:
10 h 36 min 05 s
